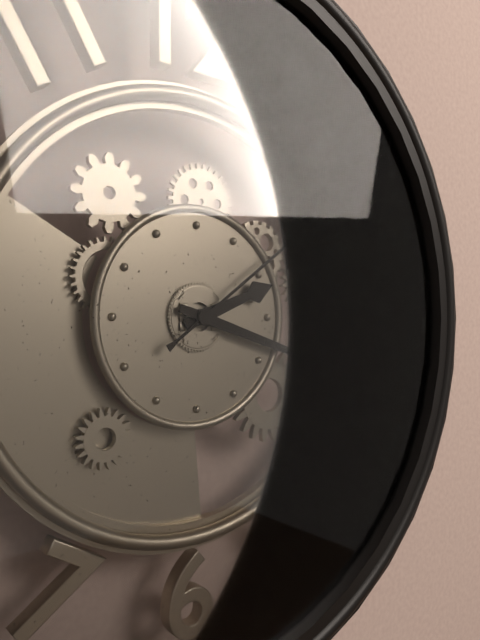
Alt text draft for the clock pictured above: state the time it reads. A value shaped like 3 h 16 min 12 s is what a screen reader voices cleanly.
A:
2 h 18 min 09 s
